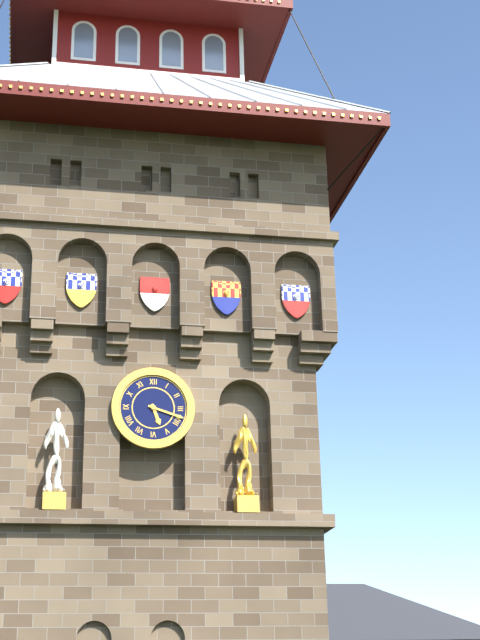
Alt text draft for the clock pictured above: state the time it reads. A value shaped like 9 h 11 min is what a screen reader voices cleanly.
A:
5 h 18 min
